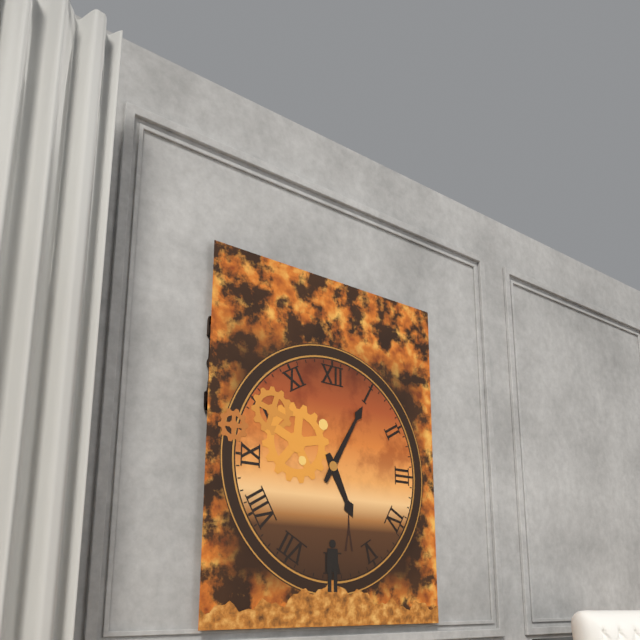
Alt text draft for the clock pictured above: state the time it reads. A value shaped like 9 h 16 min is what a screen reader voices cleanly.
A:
5 h 05 min
